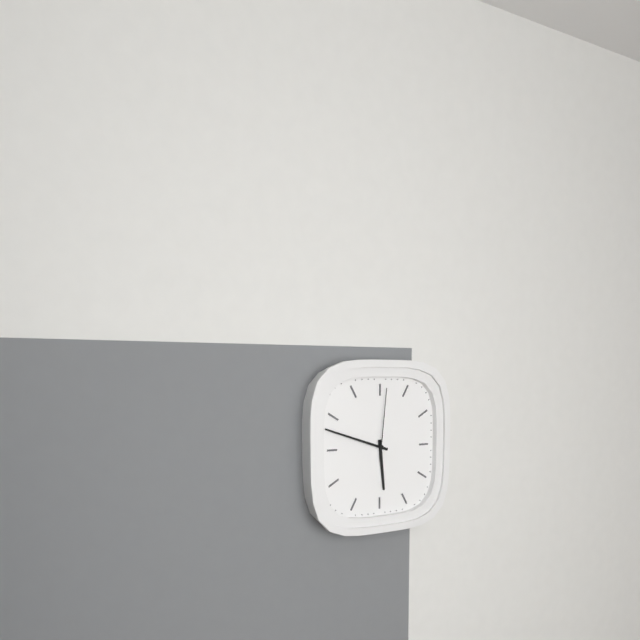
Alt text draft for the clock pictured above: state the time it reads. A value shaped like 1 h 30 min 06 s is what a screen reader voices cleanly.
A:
5 h 48 min 01 s
